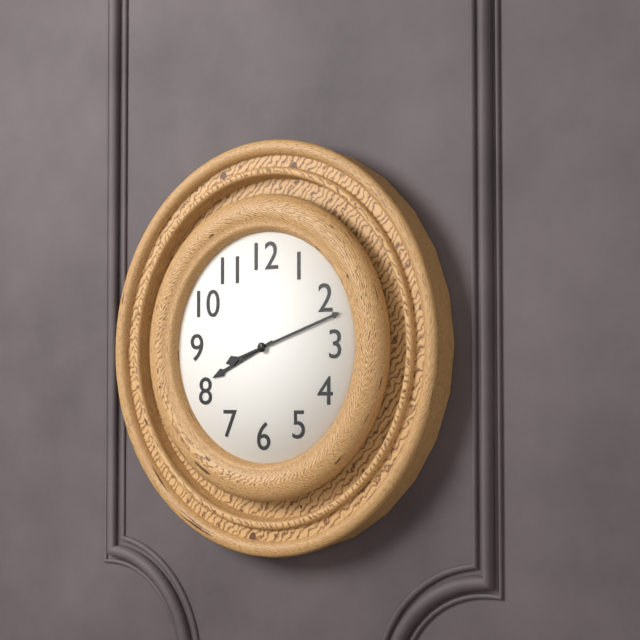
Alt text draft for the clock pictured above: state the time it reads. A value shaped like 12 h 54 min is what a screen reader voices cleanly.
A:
8 h 12 min
